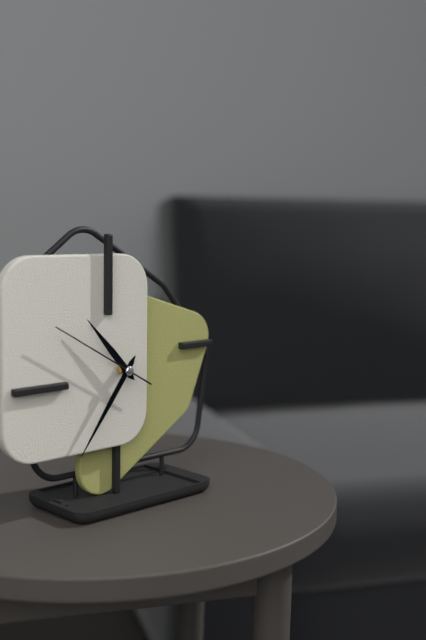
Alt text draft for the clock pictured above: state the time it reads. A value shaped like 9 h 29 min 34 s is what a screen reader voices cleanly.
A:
10 h 36 min 50 s
